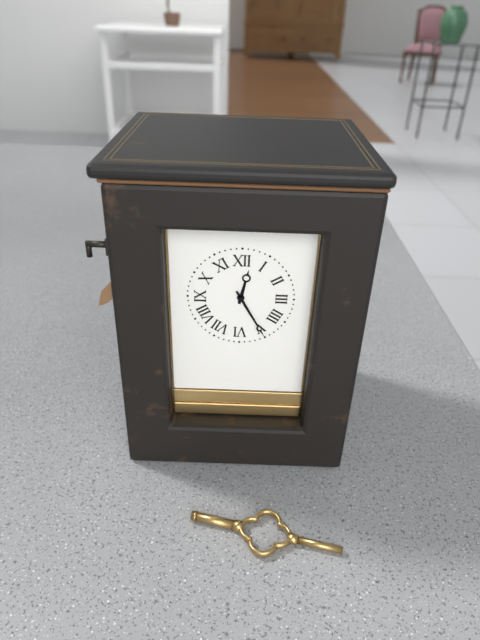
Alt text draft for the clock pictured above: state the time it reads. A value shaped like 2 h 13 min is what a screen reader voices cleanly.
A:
12 h 25 min
